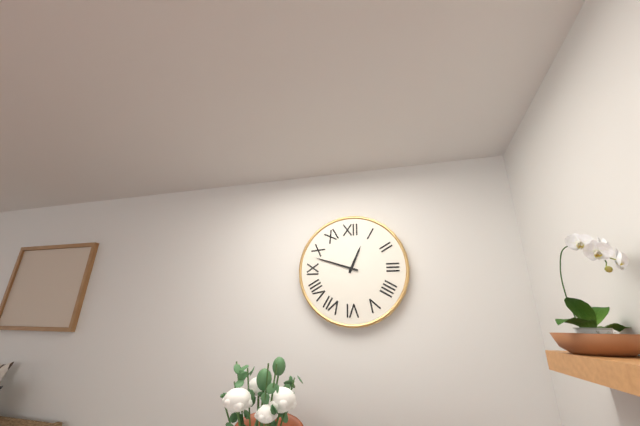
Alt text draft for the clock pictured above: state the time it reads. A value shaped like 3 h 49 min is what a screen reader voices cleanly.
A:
12 h 48 min
